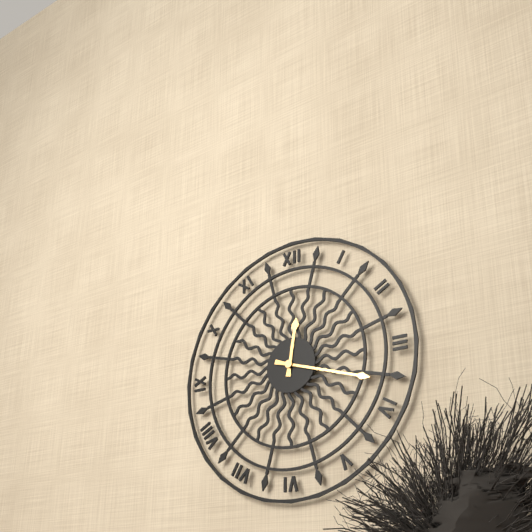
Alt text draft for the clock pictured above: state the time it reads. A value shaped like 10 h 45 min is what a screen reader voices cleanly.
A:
12 h 18 min
